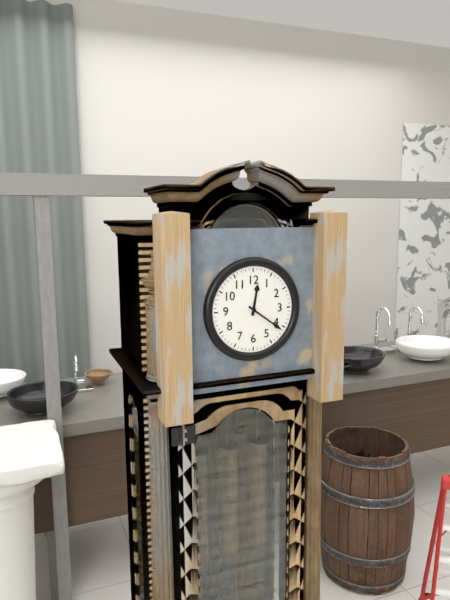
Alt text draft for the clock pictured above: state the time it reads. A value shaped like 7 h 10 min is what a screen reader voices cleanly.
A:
12 h 21 min
